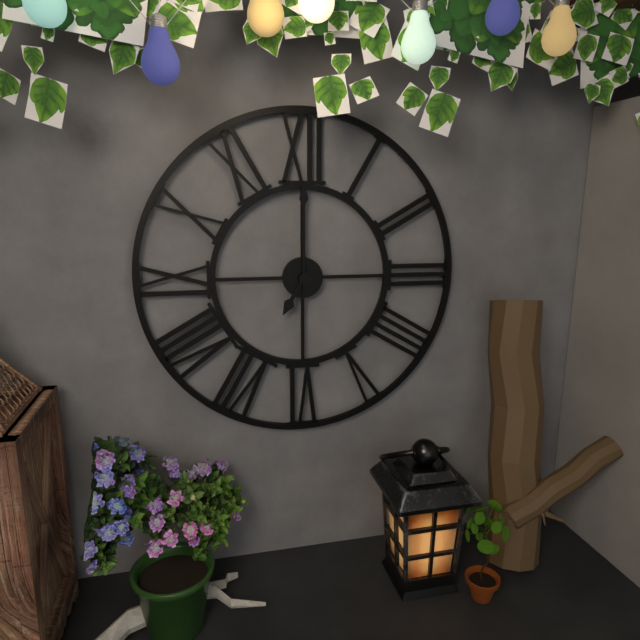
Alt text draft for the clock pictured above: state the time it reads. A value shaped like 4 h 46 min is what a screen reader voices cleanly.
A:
7 h 00 min
